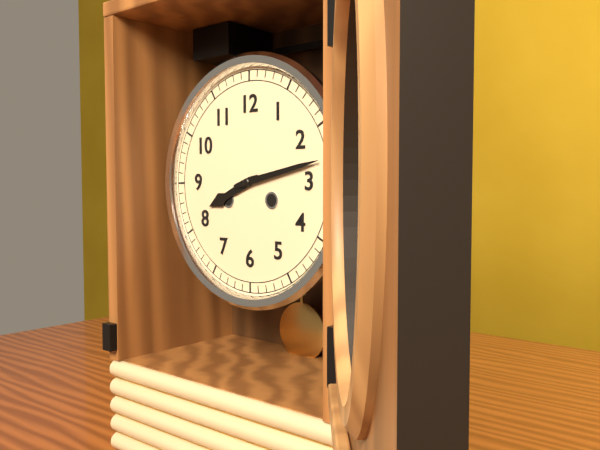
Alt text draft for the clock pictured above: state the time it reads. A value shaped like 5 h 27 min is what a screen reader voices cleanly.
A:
8 h 13 min
